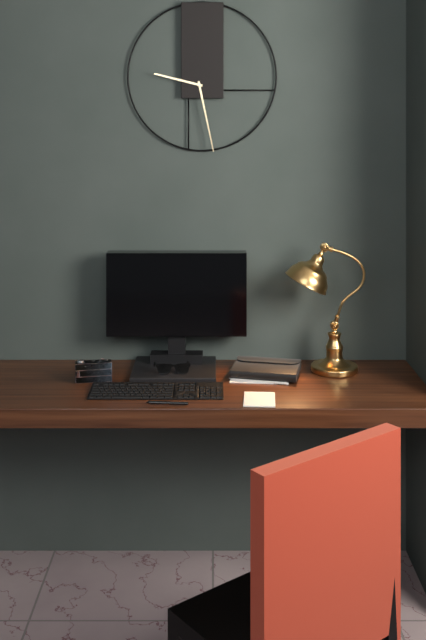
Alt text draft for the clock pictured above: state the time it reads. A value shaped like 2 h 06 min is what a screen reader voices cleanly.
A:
9 h 28 min
